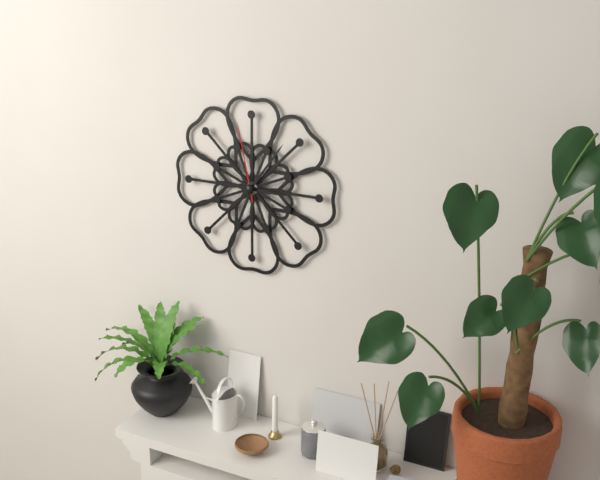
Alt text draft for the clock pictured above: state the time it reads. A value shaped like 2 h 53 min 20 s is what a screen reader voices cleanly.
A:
3 h 06 min 58 s
